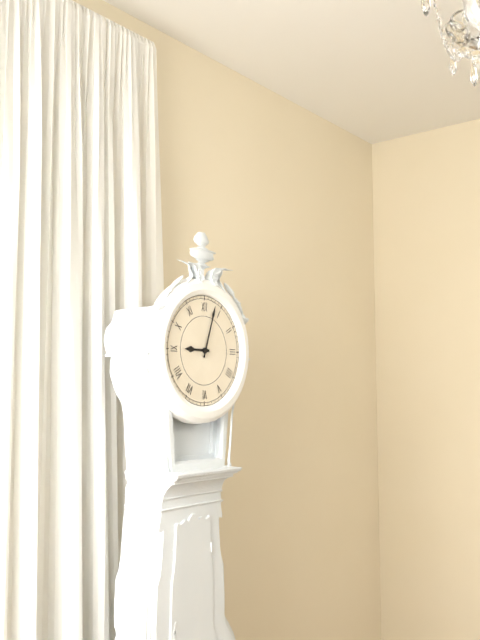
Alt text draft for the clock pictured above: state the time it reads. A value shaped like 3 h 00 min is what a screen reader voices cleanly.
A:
9 h 03 min
